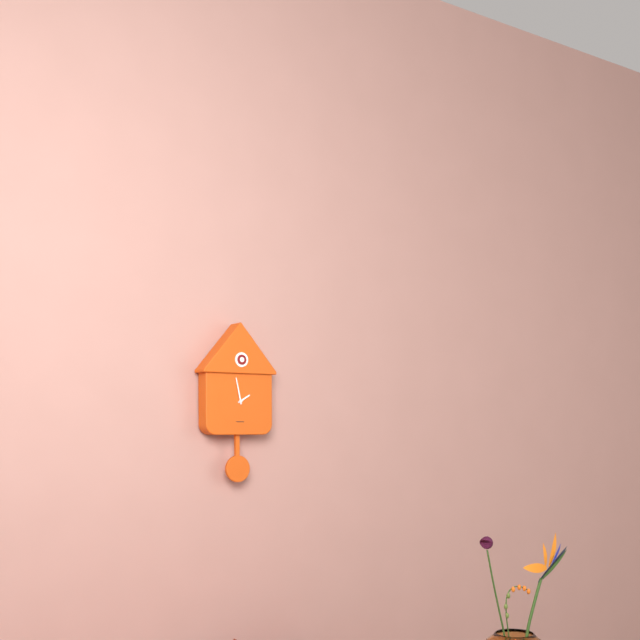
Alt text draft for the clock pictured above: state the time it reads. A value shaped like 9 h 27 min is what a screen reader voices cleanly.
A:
1 h 58 min
